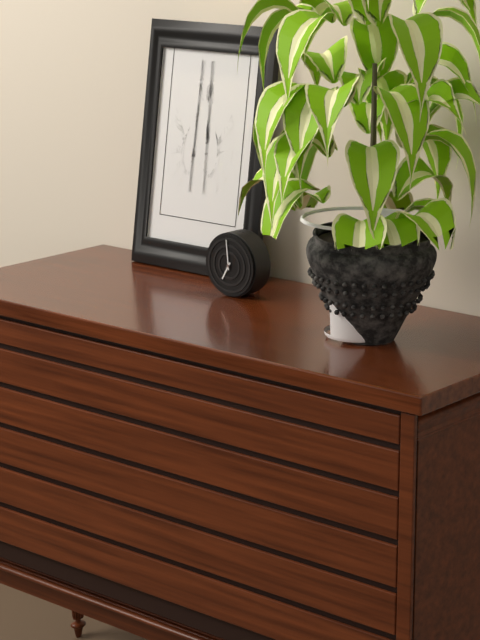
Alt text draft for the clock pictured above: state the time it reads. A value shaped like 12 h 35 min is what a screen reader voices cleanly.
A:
6 h 59 min
